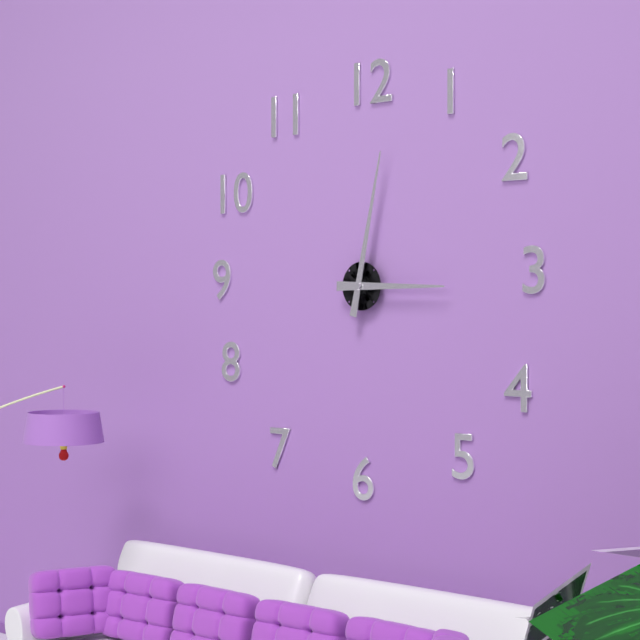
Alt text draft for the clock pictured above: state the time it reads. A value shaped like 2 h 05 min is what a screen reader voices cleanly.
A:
3 h 02 min
